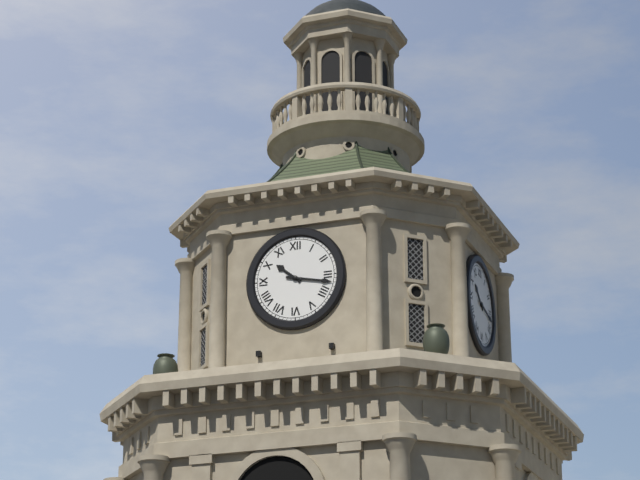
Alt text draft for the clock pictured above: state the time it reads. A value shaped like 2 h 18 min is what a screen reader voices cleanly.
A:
10 h 17 min
